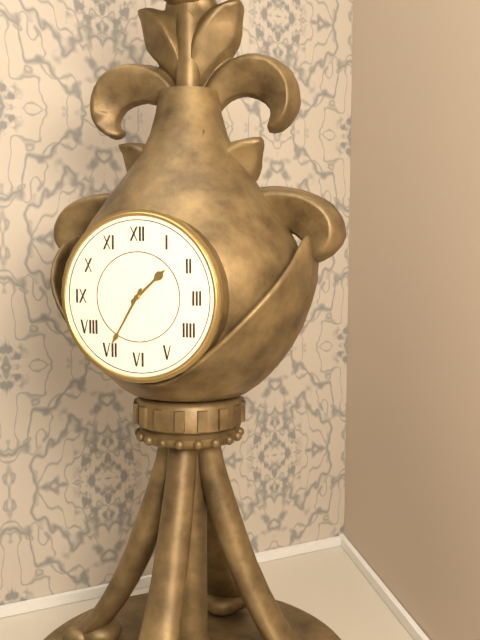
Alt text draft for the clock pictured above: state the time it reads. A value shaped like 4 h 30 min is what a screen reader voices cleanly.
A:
1 h 35 min
